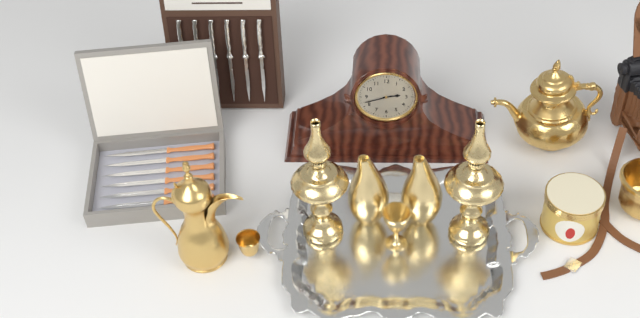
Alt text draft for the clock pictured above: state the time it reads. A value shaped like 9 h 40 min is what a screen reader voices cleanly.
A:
2 h 42 min
